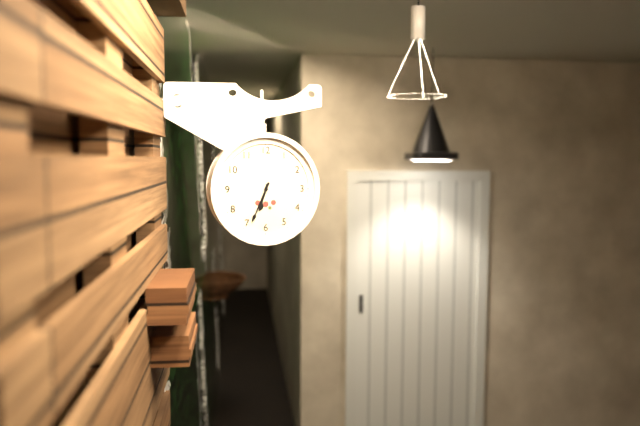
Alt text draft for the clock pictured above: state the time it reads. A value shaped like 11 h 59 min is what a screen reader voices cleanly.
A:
6 h 34 min
